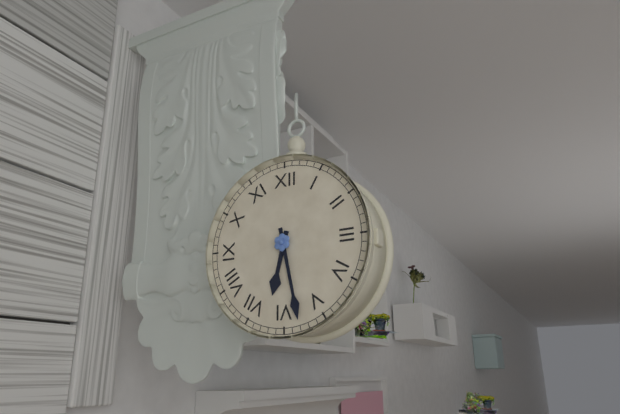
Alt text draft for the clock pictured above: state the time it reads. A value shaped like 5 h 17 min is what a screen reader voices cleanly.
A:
6 h 28 min
